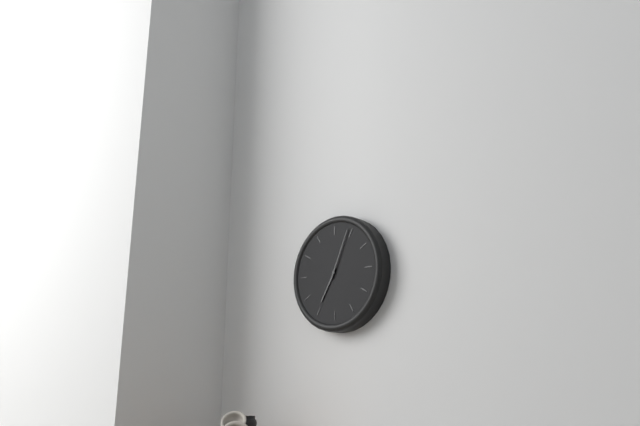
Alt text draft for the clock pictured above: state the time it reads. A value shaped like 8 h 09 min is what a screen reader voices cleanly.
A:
7 h 04 min
